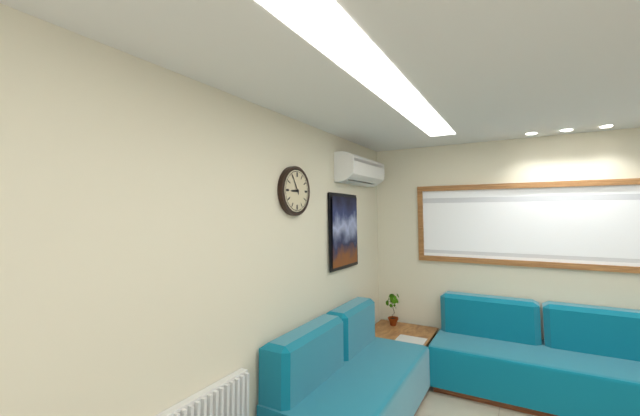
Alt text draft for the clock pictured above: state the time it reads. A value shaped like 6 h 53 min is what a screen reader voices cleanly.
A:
8 h 55 min
